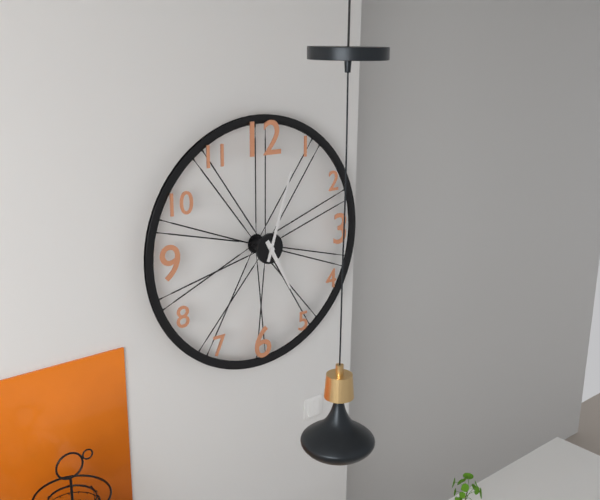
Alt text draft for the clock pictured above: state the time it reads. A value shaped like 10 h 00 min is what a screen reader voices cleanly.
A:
5 h 03 min
